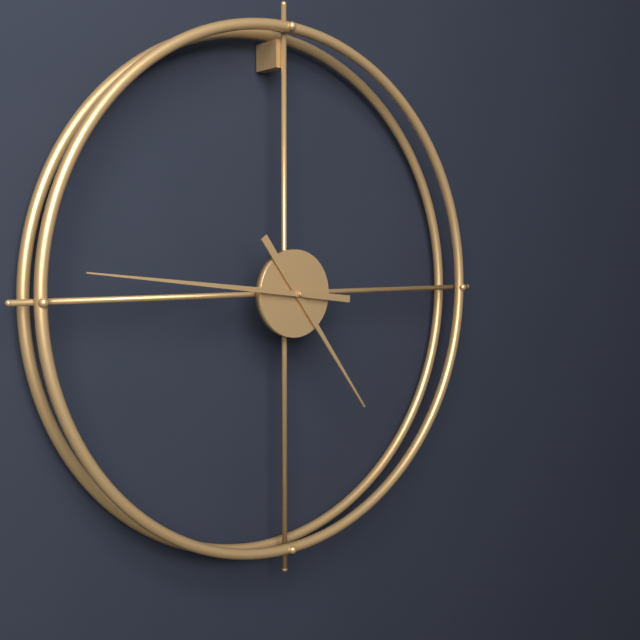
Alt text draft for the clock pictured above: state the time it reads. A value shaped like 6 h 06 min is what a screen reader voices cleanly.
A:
4 h 46 min
